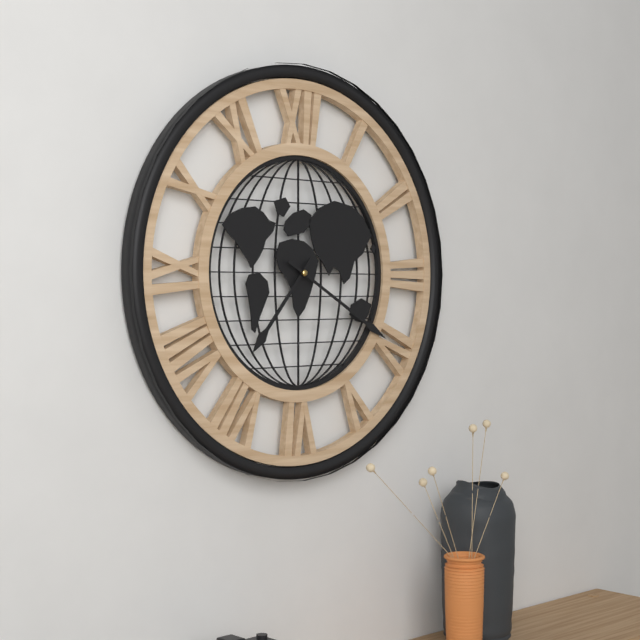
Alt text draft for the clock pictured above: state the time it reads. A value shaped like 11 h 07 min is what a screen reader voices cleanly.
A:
7 h 20 min
